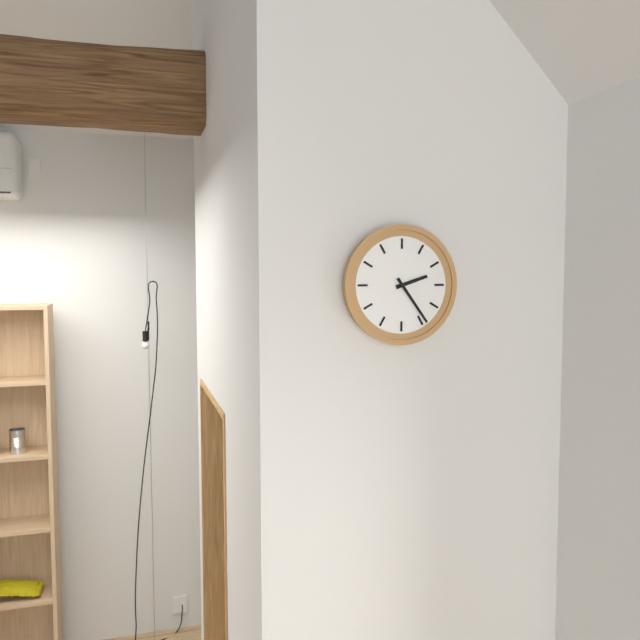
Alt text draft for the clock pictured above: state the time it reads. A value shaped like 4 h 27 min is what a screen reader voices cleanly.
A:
2 h 24 min
